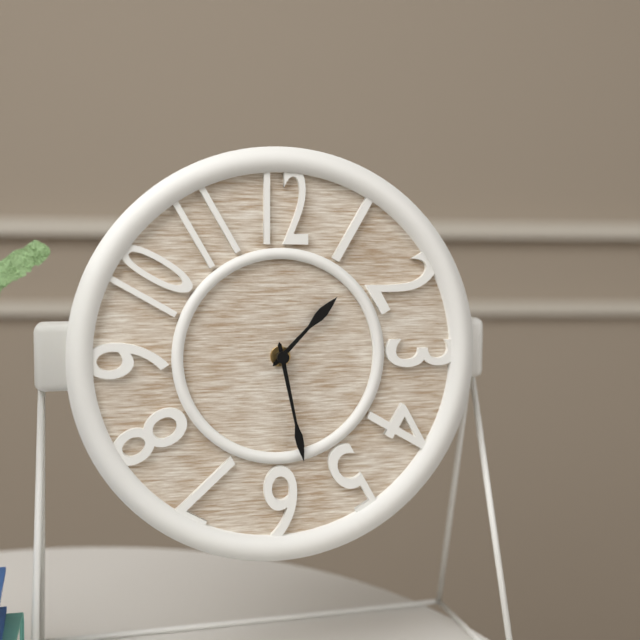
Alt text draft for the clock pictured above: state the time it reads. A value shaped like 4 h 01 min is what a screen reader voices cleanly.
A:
1 h 28 min
